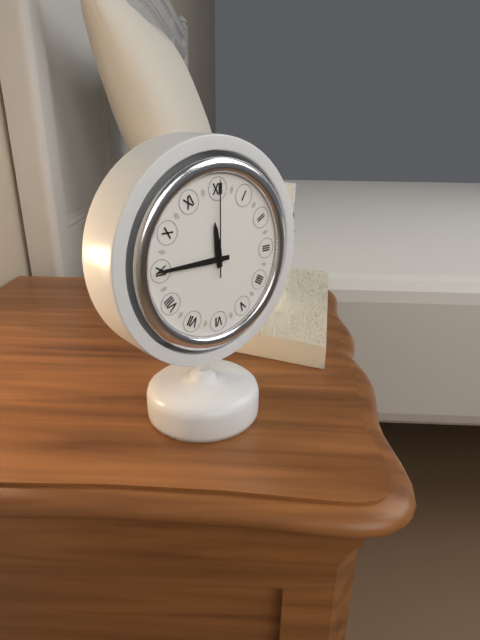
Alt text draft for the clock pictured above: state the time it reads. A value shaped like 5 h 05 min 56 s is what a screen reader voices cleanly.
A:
11 h 45 min 00 s
